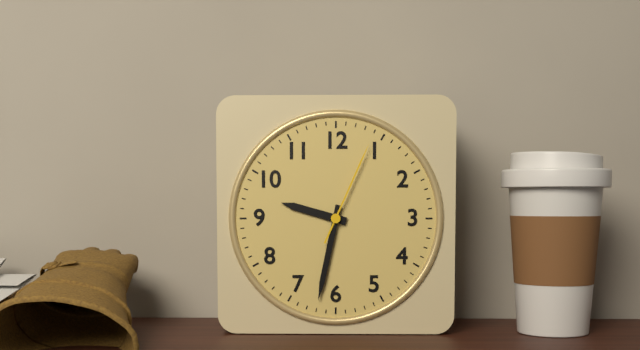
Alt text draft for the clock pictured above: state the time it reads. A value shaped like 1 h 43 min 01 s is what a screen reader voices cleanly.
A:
9 h 32 min 04 s
